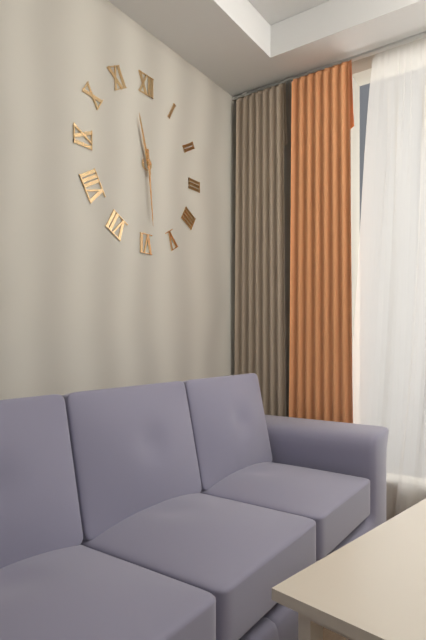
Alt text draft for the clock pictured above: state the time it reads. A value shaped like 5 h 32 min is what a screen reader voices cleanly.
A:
11 h 29 min
